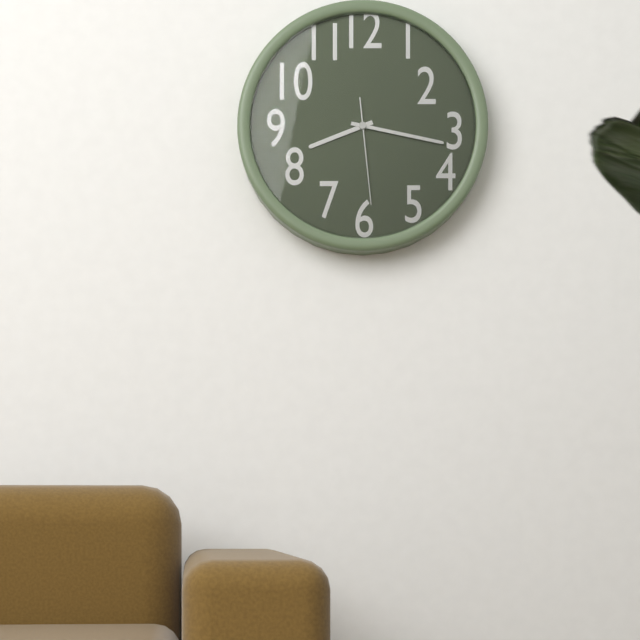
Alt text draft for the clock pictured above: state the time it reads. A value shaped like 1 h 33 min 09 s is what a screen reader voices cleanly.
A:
8 h 17 min 29 s
